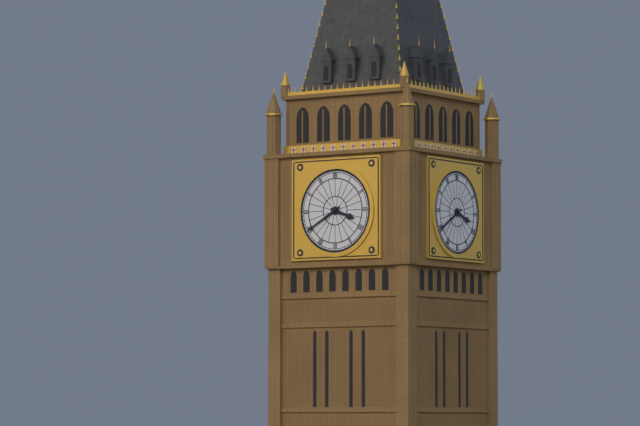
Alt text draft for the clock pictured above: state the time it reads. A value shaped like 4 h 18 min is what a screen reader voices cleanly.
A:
3 h 40 min
